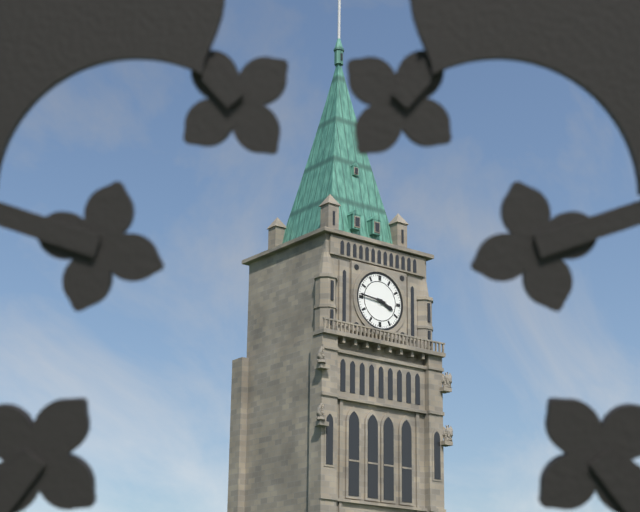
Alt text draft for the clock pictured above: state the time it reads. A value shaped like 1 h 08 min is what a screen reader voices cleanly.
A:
3 h 46 min
